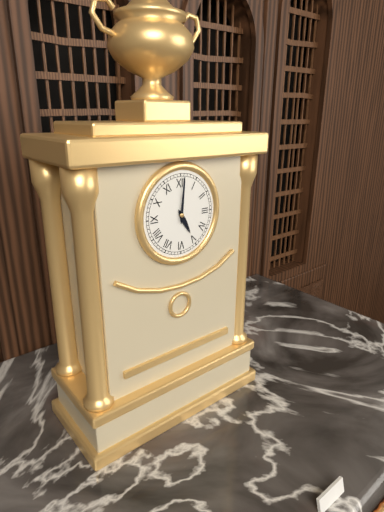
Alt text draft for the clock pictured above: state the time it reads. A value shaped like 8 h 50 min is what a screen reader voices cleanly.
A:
5 h 01 min
